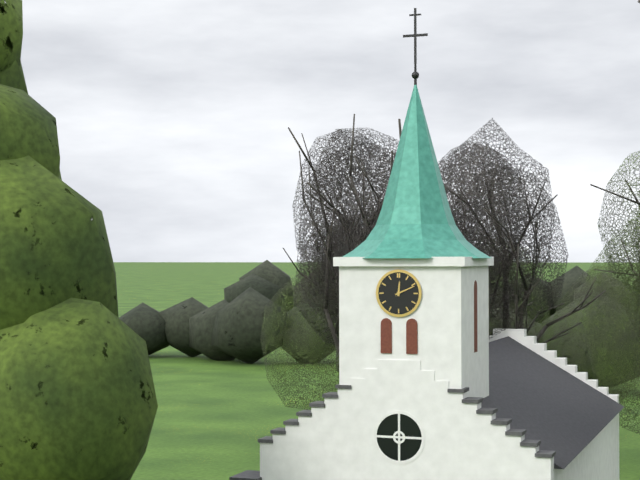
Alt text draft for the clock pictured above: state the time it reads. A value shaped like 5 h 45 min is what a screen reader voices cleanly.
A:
12 h 11 min
